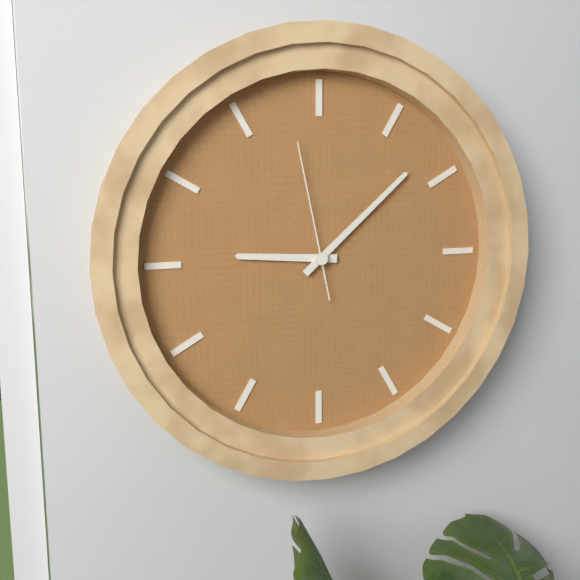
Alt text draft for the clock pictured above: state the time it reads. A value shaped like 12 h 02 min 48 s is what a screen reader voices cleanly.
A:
9 h 08 min 58 s
